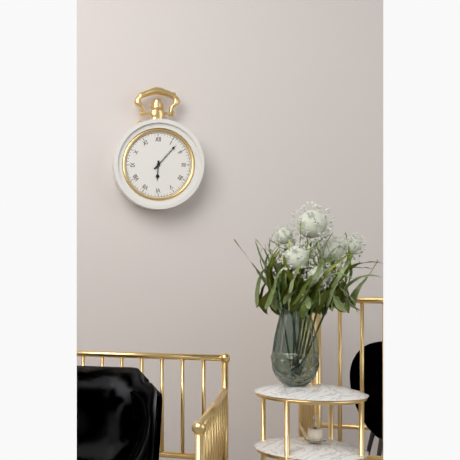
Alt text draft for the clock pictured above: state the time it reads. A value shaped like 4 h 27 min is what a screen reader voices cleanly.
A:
6 h 07 min
